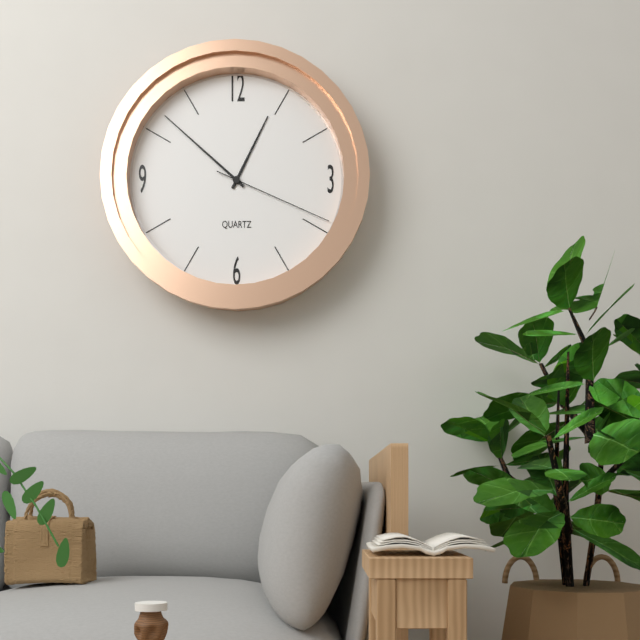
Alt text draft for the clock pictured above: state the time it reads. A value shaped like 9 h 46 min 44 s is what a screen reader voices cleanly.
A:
12 h 52 min 19 s
